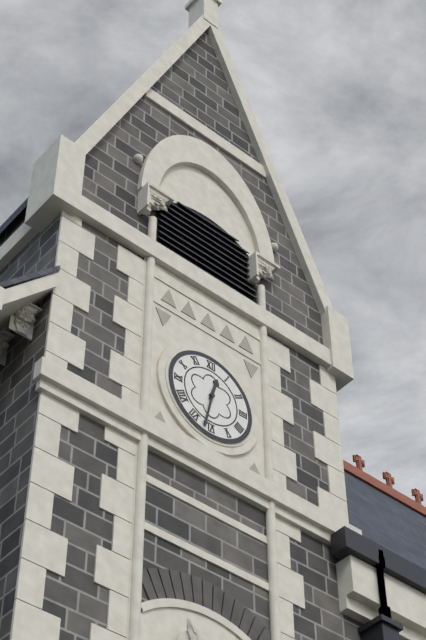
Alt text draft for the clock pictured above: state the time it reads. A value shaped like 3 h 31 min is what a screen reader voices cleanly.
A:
12 h 32 min
